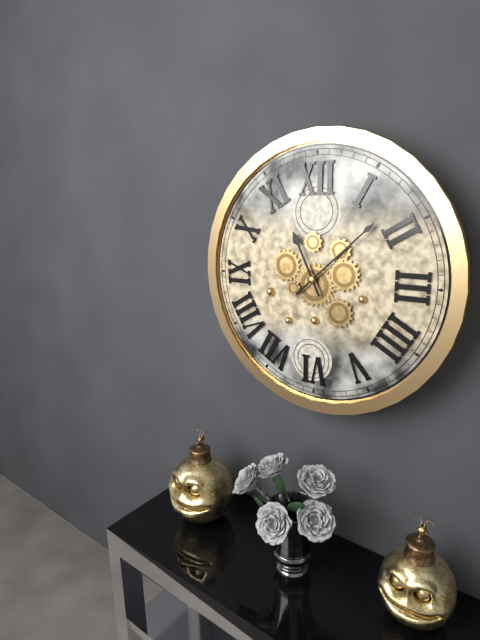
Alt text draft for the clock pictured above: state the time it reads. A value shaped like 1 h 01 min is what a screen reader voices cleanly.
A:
11 h 08 min
